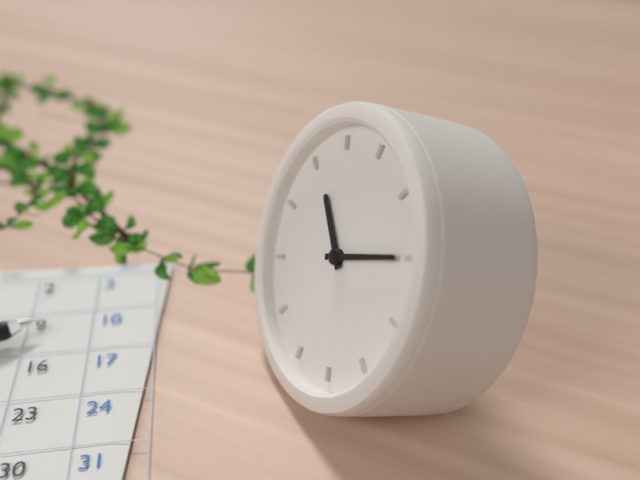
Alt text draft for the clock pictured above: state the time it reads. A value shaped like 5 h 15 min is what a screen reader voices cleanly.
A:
10 h 10 min
